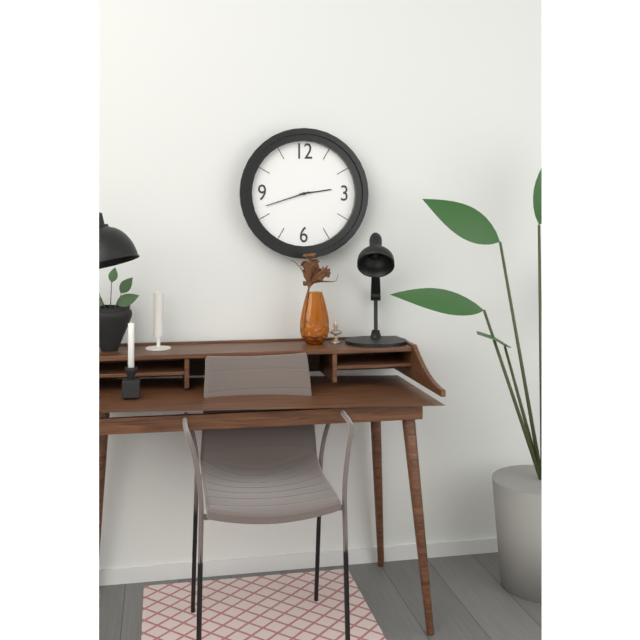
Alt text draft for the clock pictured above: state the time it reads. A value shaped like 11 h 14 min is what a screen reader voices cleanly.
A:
2 h 42 min
